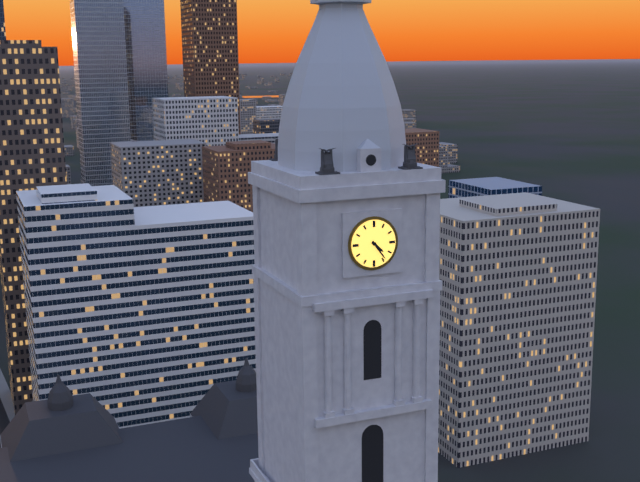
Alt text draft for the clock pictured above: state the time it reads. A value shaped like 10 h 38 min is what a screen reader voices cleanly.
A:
4 h 24 min
